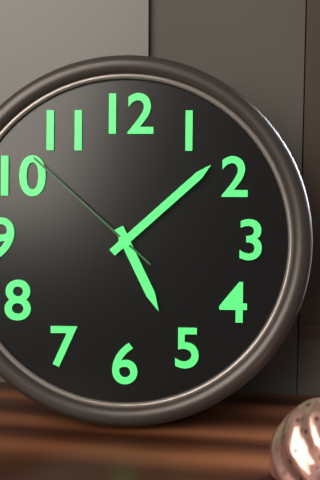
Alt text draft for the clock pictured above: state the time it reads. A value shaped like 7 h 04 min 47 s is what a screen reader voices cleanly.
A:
5 h 08 min 52 s
